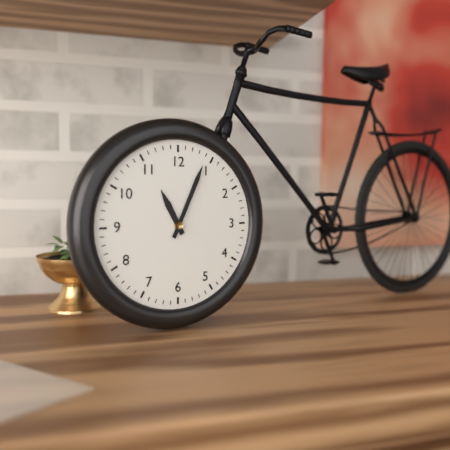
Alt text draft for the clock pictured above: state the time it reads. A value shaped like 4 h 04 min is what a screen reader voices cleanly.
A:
11 h 04 min
